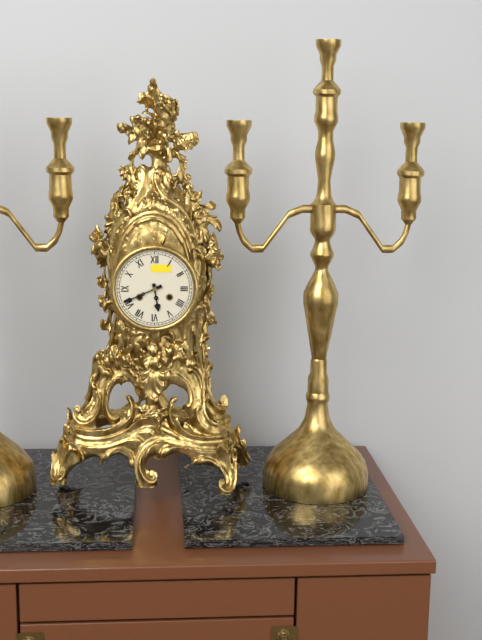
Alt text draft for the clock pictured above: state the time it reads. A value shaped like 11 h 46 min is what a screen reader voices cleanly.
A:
5 h 41 min
